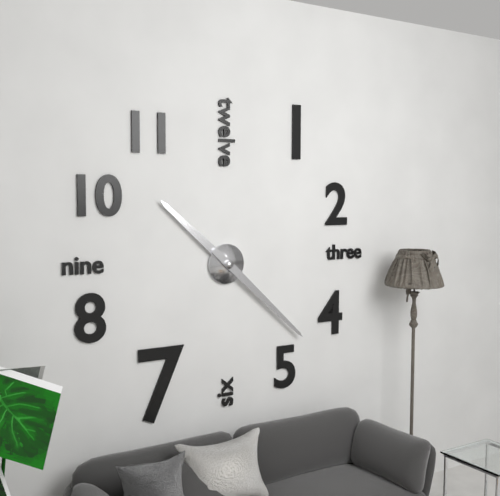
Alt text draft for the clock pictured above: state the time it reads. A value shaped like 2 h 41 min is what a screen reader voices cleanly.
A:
10 h 22 min
